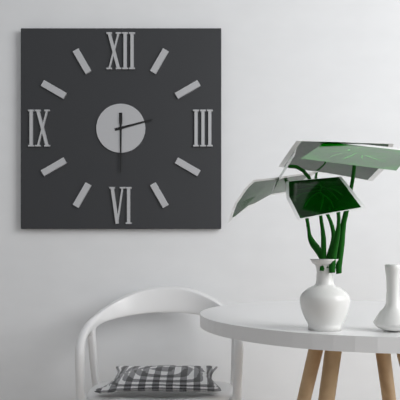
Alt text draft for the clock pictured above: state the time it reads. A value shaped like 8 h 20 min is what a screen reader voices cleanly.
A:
2 h 30 min
